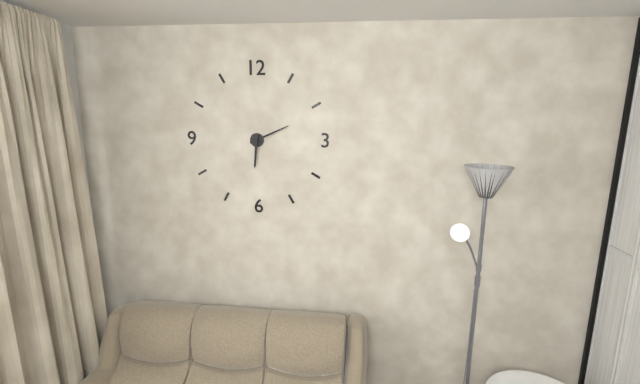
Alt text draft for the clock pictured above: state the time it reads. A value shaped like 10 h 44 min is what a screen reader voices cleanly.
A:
6 h 11 min
